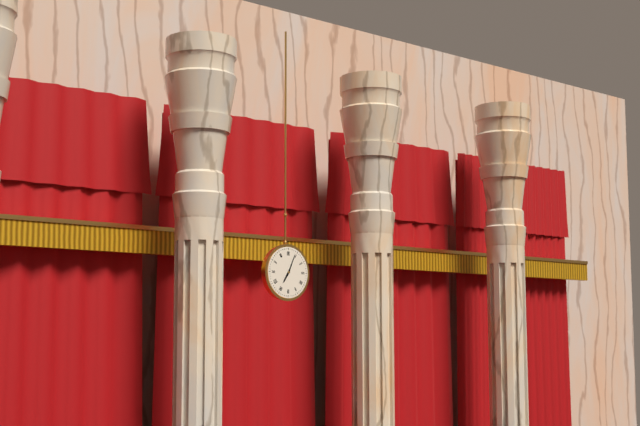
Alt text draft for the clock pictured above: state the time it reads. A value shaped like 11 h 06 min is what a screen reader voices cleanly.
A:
7 h 04 min
